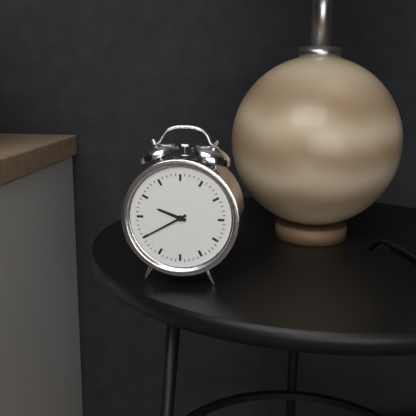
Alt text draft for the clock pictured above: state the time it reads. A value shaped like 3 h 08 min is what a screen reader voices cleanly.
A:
9 h 40 min
